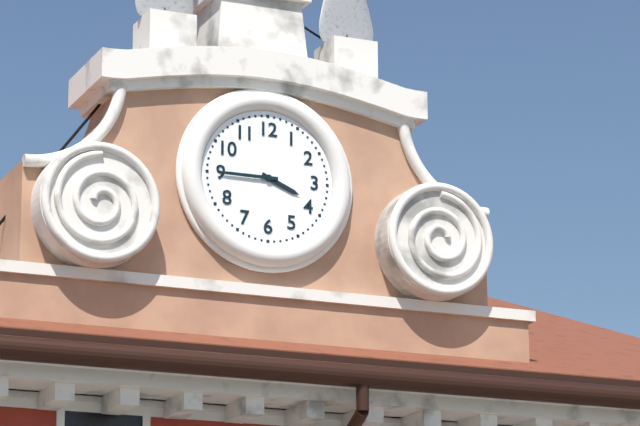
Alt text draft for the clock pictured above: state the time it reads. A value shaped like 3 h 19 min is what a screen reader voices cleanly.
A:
3 h 45 min
